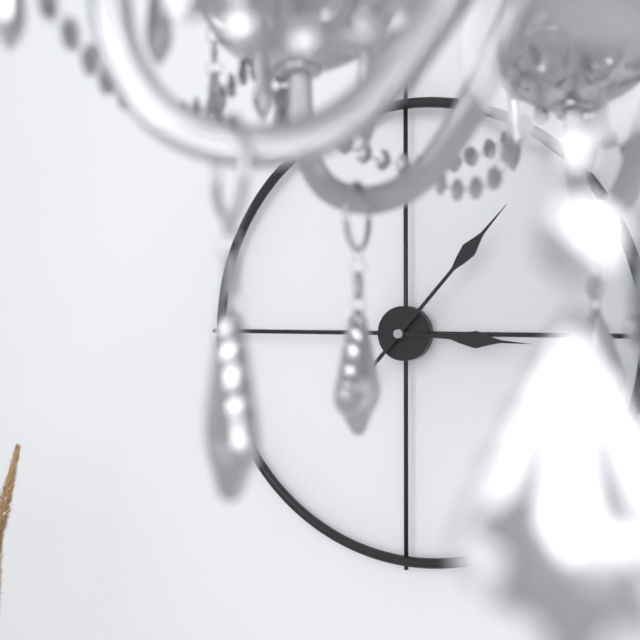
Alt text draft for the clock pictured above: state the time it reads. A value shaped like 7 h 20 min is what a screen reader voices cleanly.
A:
3 h 07 min
